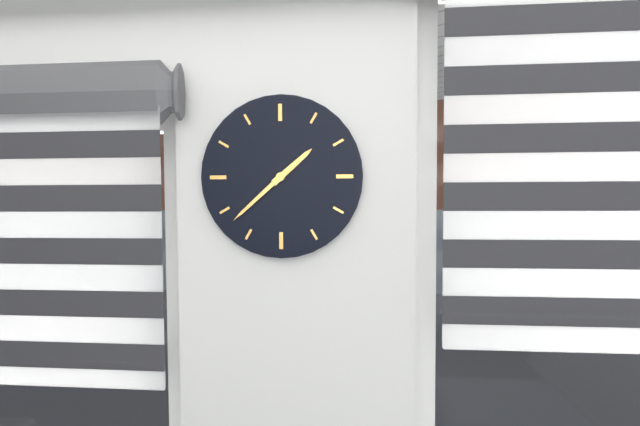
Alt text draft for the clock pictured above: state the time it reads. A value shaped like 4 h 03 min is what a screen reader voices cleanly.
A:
1 h 38 min
